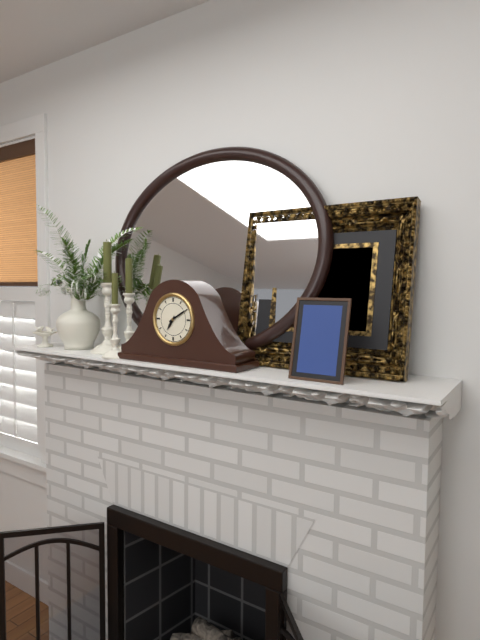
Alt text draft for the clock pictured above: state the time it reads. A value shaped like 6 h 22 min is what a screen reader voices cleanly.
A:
7 h 10 min
